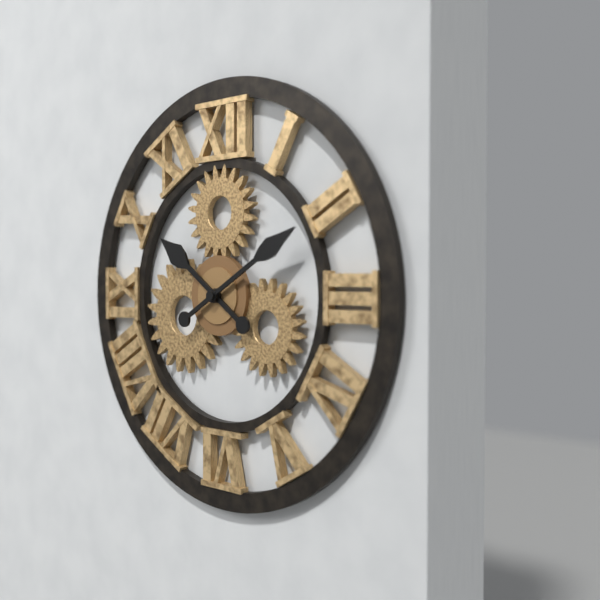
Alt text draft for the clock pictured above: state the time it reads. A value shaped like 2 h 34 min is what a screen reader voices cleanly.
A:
10 h 10 min
